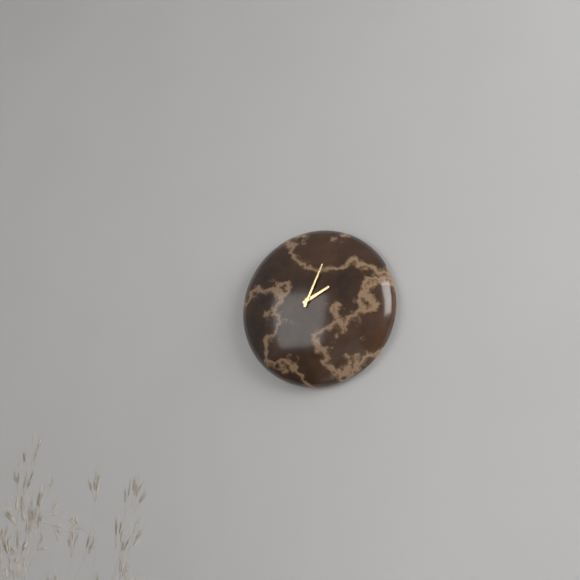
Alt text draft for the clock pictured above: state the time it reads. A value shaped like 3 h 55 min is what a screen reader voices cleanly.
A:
2 h 04 min
